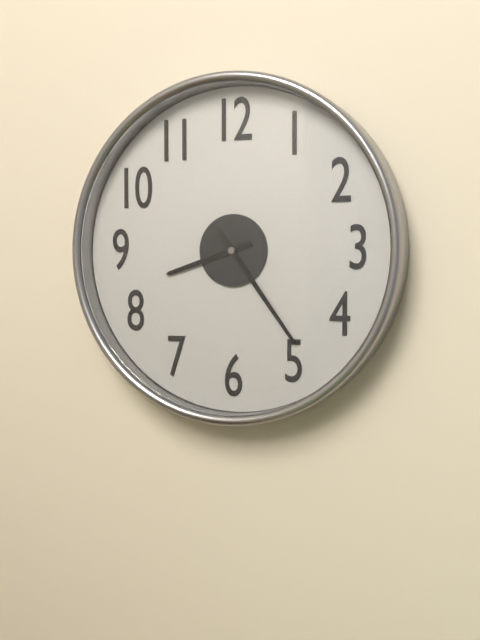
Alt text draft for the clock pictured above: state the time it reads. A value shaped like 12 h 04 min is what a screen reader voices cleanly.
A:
8 h 24 min
